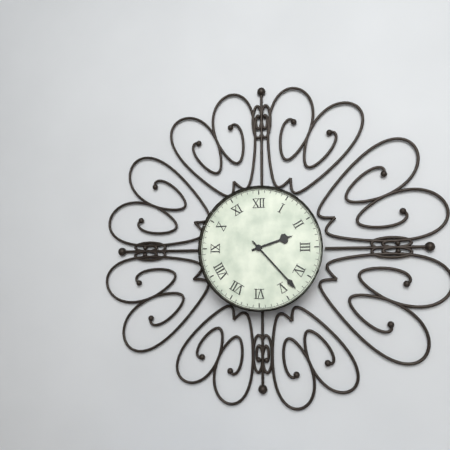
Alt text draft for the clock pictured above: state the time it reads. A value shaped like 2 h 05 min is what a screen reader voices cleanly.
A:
2 h 23 min
